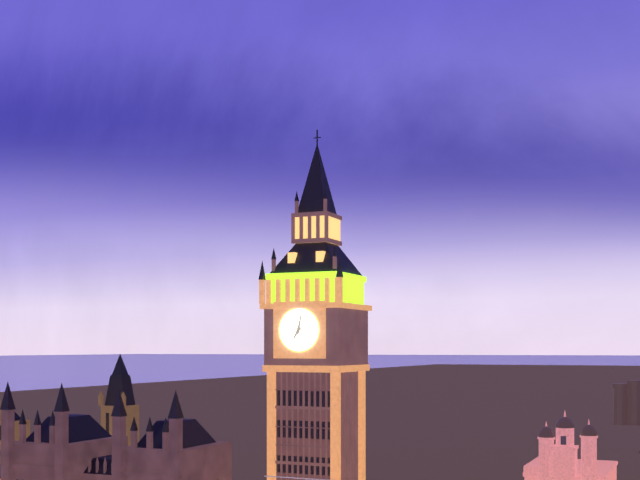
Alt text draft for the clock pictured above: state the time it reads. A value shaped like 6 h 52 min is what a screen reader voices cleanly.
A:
7 h 02 min
